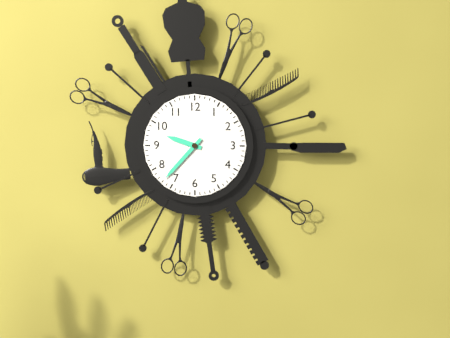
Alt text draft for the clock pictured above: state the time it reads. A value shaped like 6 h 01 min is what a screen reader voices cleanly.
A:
9 h 37 min
